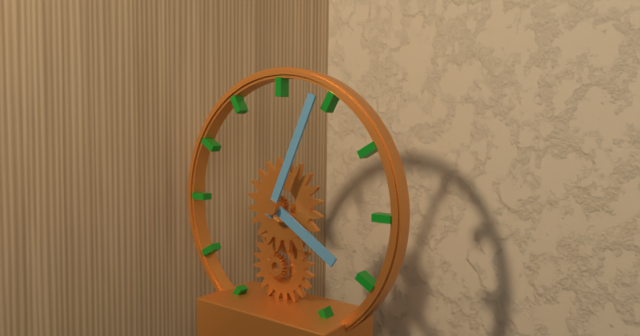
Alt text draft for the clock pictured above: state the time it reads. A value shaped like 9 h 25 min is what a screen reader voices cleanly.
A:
4 h 04 min
